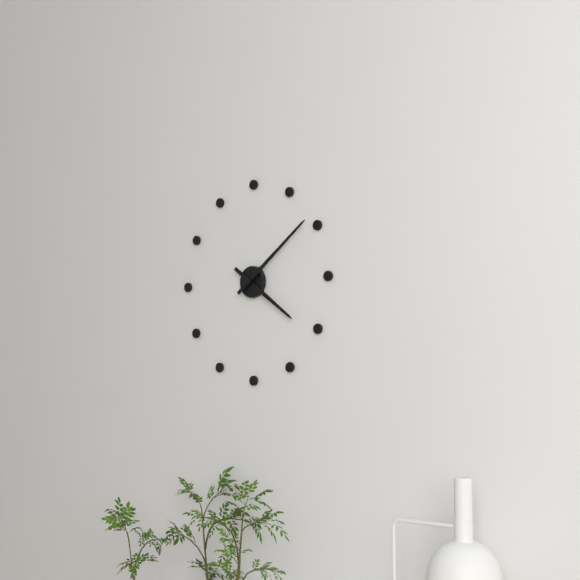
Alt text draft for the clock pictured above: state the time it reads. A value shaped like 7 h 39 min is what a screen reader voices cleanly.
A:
4 h 09 min
